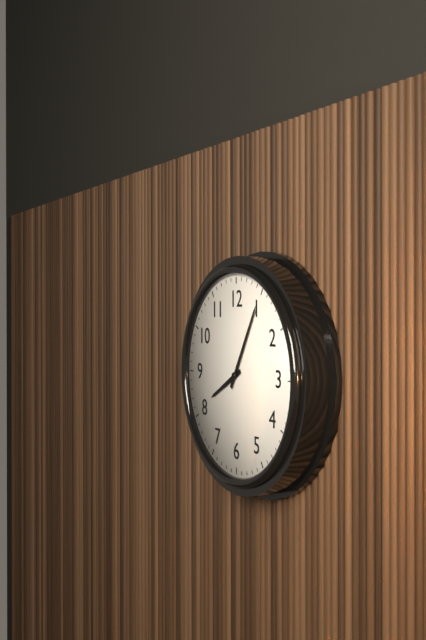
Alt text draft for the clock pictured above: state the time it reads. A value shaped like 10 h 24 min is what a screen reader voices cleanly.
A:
8 h 05 min
